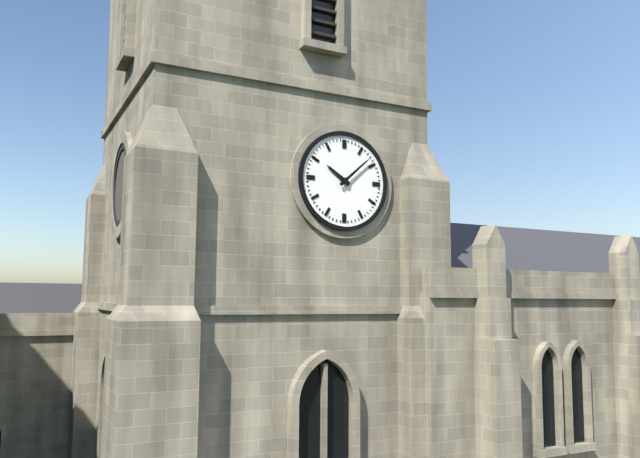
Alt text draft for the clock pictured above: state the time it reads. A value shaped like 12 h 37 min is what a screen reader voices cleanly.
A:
10 h 08 min
